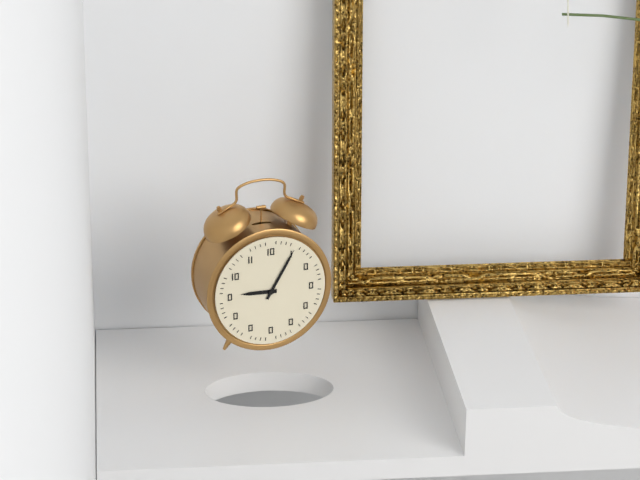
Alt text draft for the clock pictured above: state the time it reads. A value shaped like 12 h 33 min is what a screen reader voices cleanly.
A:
9 h 05 min
